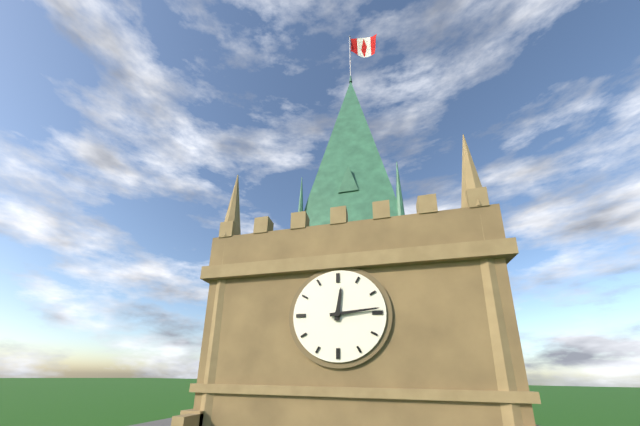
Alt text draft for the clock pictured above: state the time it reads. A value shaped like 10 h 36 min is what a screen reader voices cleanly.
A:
12 h 14 min
